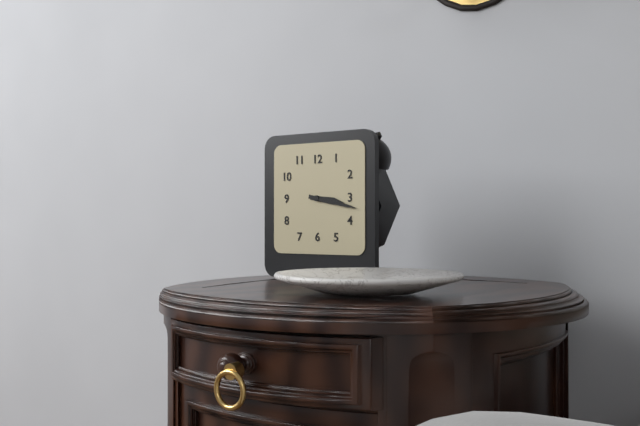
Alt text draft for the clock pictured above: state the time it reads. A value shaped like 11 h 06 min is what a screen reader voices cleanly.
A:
3 h 17 min
